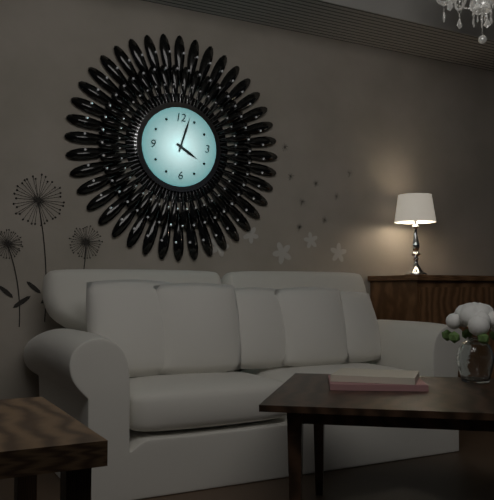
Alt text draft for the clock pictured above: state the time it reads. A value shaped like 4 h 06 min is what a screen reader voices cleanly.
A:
4 h 03 min
